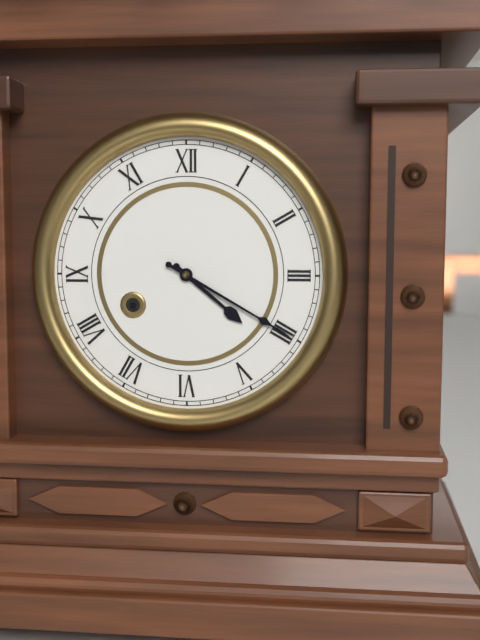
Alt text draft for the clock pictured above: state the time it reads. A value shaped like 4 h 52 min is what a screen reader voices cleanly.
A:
4 h 20 min
